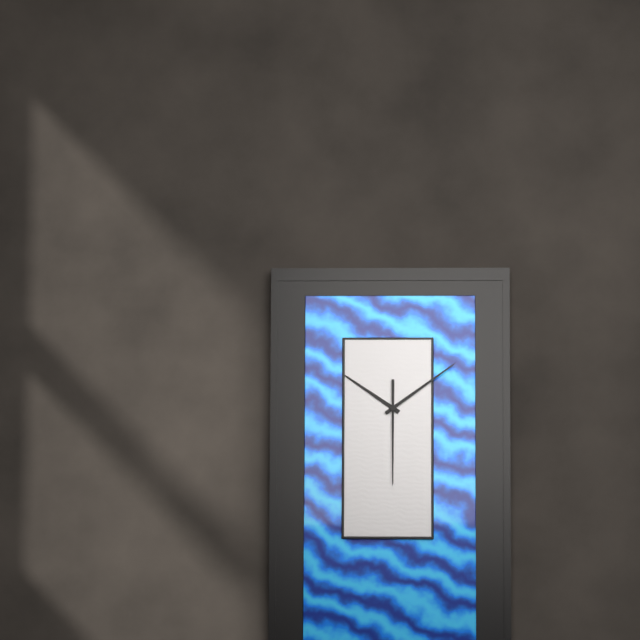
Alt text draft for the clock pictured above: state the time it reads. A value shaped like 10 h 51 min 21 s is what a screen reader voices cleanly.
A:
10 h 09 min 30 s
